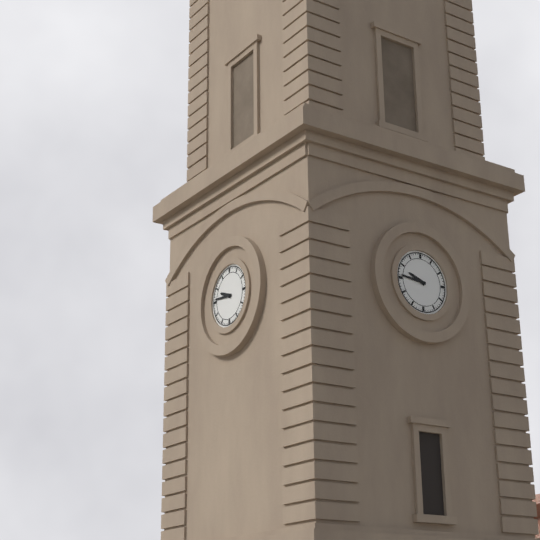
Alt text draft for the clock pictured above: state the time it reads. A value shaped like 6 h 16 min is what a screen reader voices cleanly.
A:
9 h 46 min
